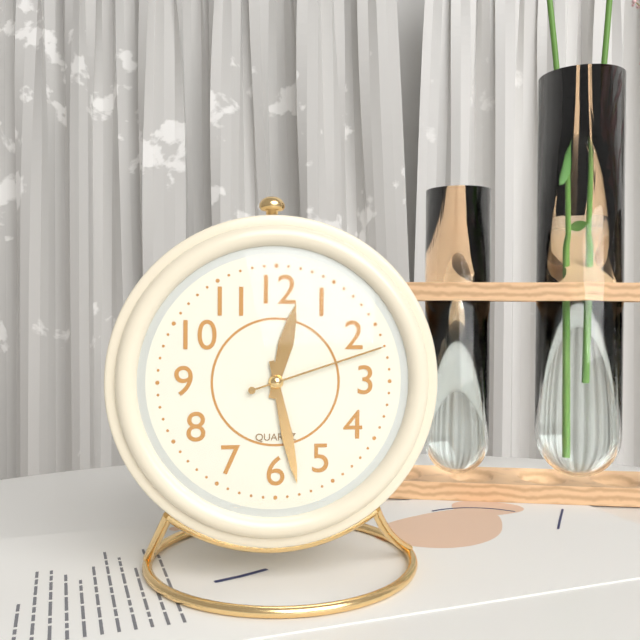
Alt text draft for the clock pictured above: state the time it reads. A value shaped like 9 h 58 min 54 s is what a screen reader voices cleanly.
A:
12 h 28 min 12 s
